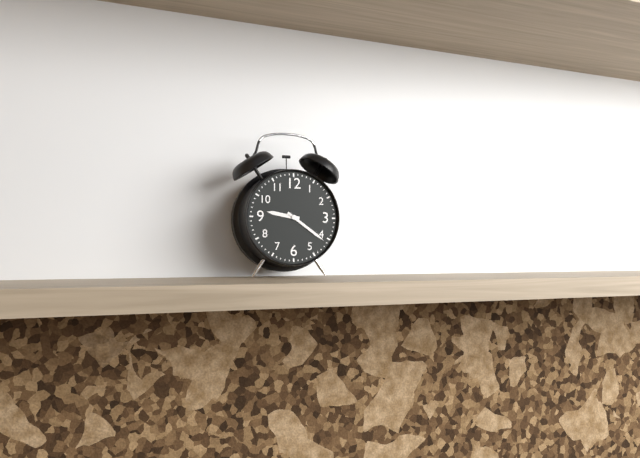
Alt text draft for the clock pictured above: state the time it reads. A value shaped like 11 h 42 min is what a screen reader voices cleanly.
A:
9 h 21 min
